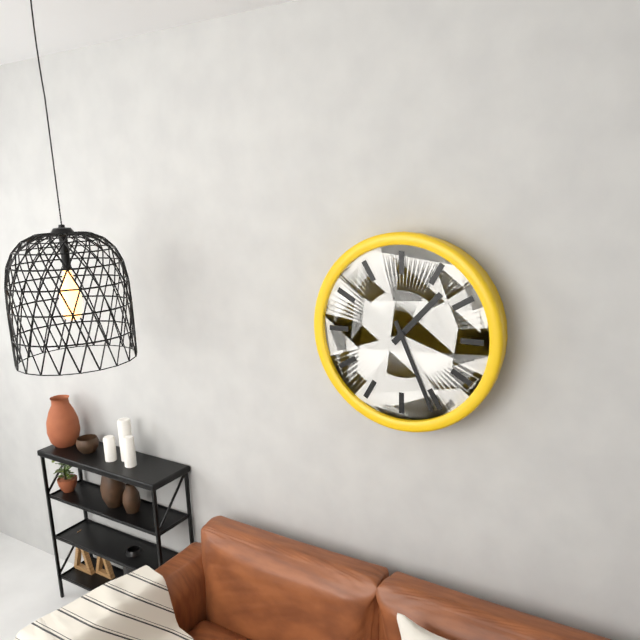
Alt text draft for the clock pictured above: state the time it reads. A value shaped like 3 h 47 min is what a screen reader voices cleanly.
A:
1 h 26 min
